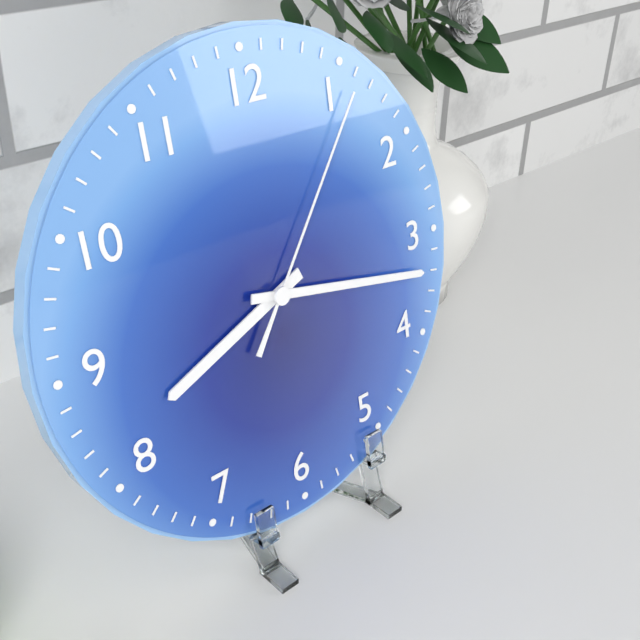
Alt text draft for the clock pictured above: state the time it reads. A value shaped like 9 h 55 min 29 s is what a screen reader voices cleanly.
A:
8 h 17 min 06 s
